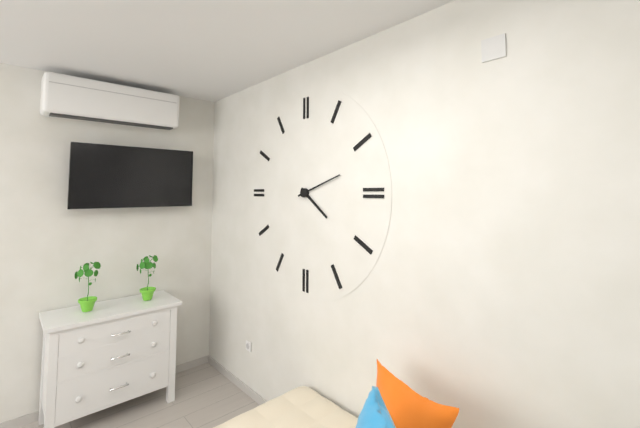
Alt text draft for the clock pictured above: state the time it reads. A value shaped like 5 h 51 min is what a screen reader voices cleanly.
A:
4 h 12 min
